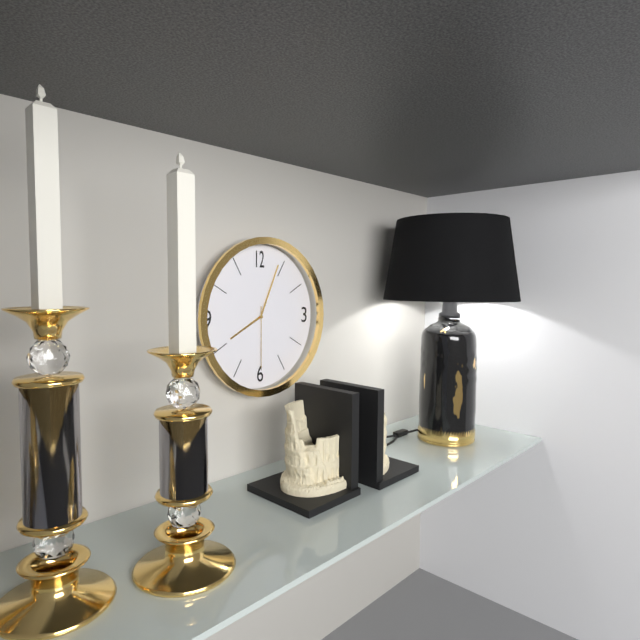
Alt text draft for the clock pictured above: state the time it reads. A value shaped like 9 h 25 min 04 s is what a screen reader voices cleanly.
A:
8 h 04 min 30 s
